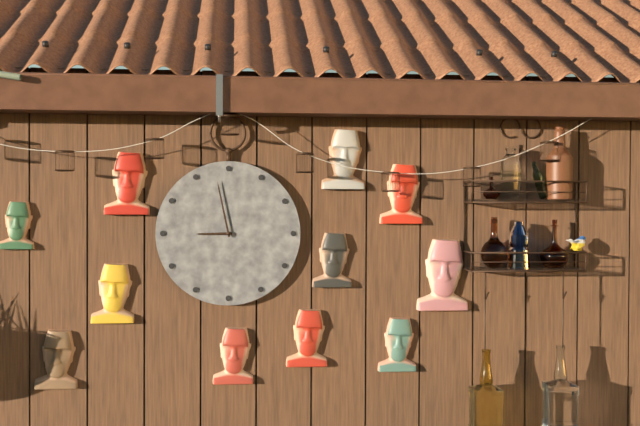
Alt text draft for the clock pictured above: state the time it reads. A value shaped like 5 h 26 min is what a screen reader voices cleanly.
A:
8 h 58 min
